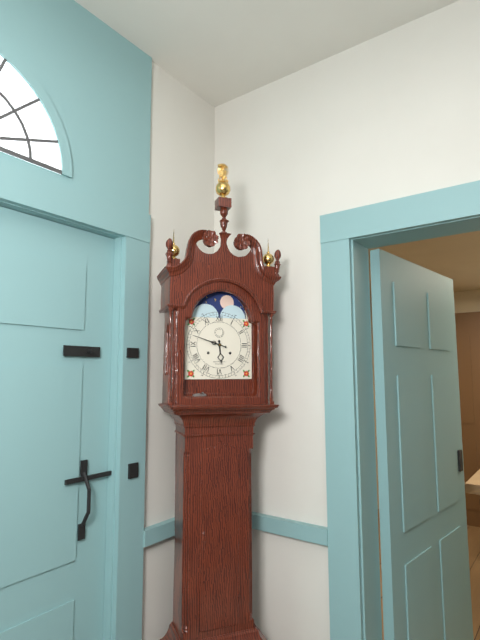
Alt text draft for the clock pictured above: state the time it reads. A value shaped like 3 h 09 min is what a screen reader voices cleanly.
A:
5 h 48 min
